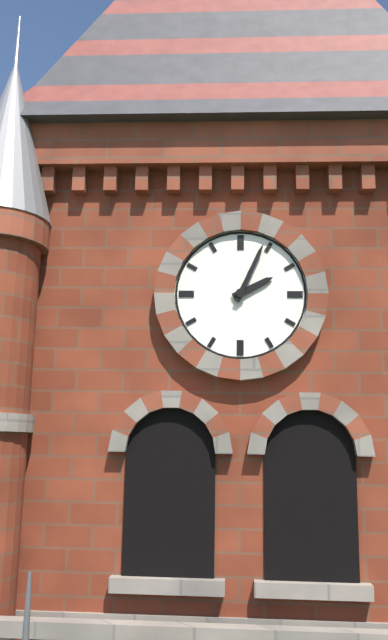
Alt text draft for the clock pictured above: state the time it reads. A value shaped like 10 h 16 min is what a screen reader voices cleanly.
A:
2 h 04 min
